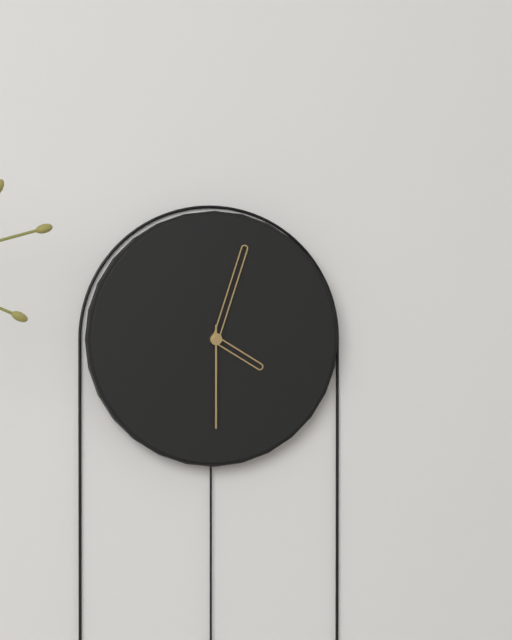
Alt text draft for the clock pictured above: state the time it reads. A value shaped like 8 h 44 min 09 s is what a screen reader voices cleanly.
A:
4 h 03 min 30 s
